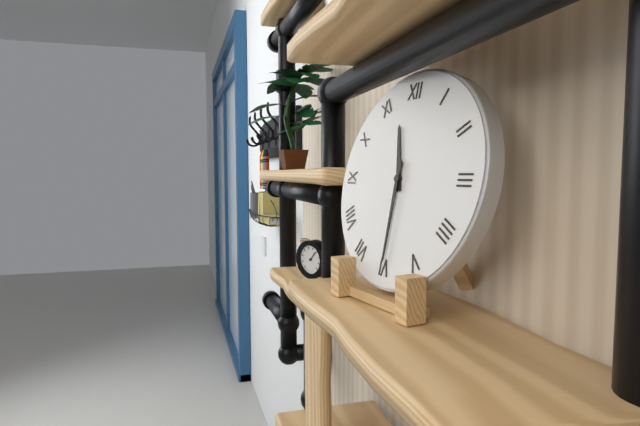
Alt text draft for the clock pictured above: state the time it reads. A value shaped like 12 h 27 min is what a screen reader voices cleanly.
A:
11 h 30 min
